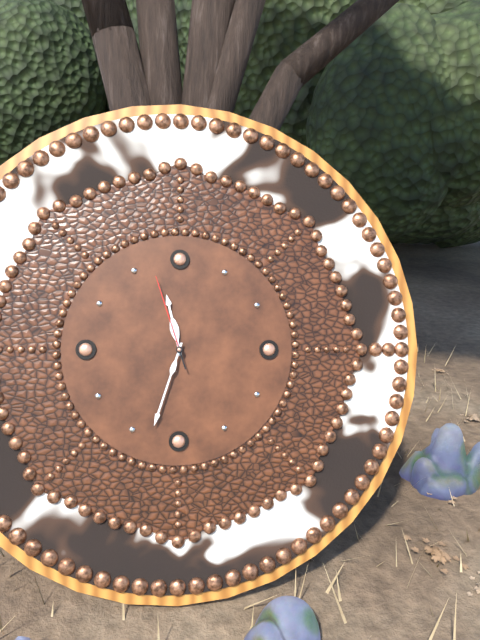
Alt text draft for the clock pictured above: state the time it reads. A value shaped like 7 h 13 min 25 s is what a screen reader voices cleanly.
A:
11 h 33 min 57 s
